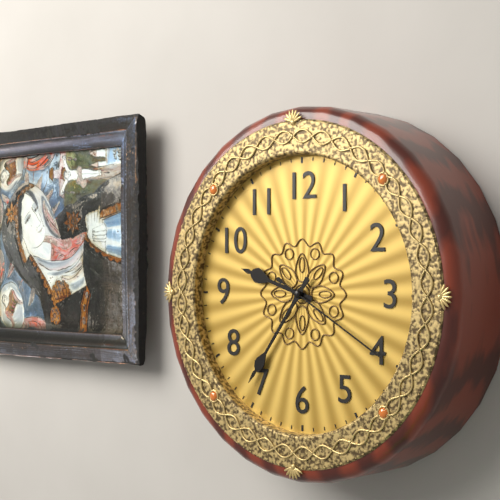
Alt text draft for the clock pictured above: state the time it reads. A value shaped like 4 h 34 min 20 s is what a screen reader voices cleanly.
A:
9 h 36 min 20 s
